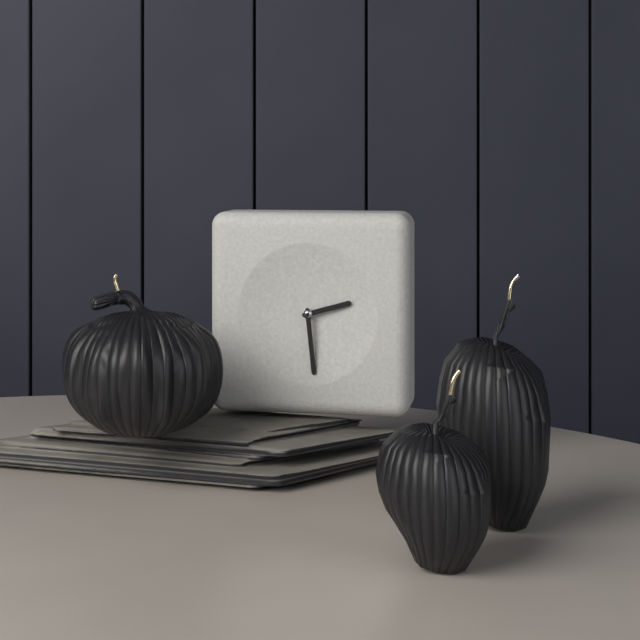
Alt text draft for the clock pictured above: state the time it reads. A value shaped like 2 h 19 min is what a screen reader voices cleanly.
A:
2 h 29 min
